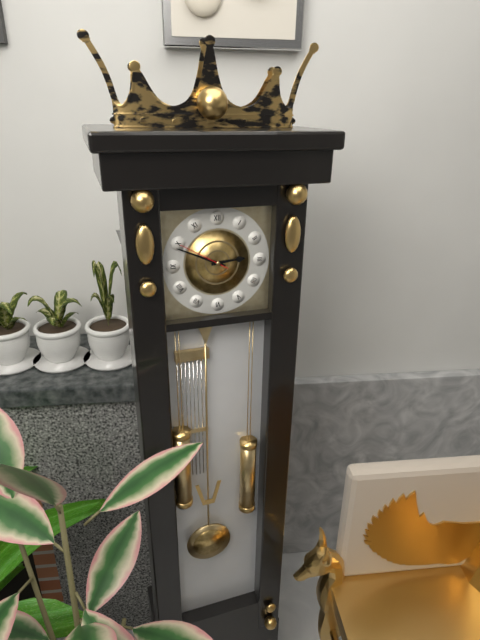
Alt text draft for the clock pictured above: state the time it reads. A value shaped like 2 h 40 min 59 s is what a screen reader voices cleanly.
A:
2 h 49 min 50 s
